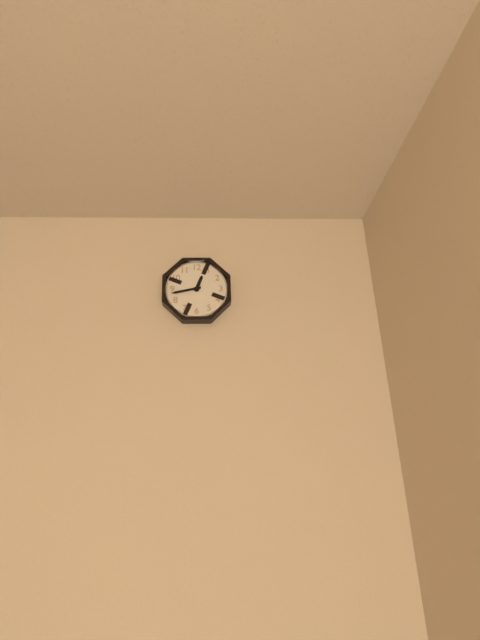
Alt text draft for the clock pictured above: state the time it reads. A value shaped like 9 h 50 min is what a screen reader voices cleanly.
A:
12 h 43 min
